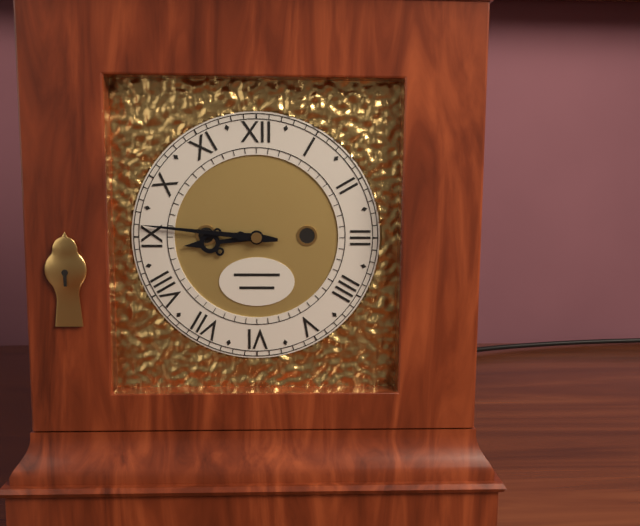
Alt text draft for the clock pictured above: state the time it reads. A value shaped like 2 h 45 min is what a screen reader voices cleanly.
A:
8 h 46 min
